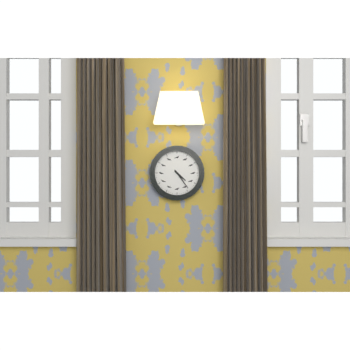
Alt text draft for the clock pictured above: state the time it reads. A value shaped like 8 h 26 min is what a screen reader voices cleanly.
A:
4 h 24 min
